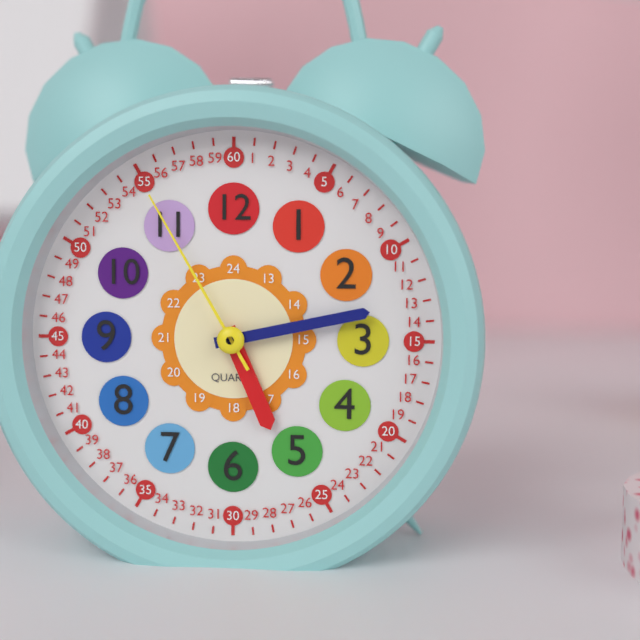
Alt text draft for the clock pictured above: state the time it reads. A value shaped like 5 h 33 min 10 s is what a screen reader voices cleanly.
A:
5 h 13 min 55 s
